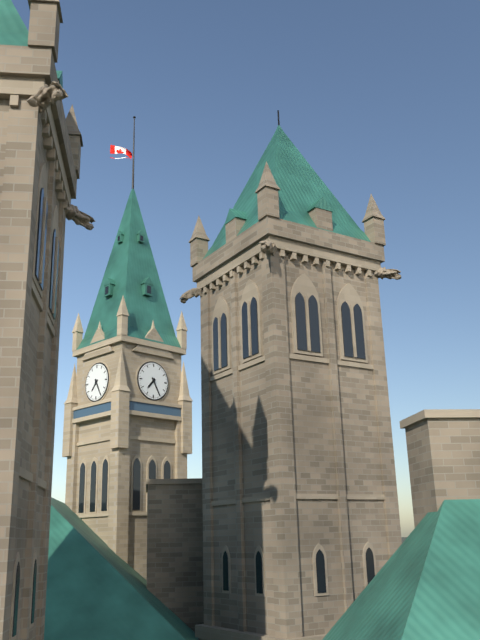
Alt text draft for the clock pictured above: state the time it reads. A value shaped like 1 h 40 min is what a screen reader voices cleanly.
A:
7 h 25 min
